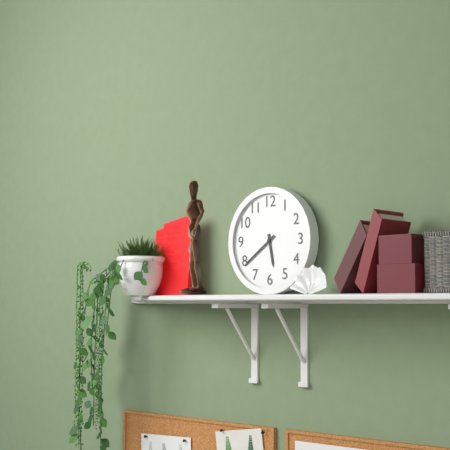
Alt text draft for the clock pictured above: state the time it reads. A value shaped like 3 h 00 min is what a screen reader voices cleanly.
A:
5 h 39 min
